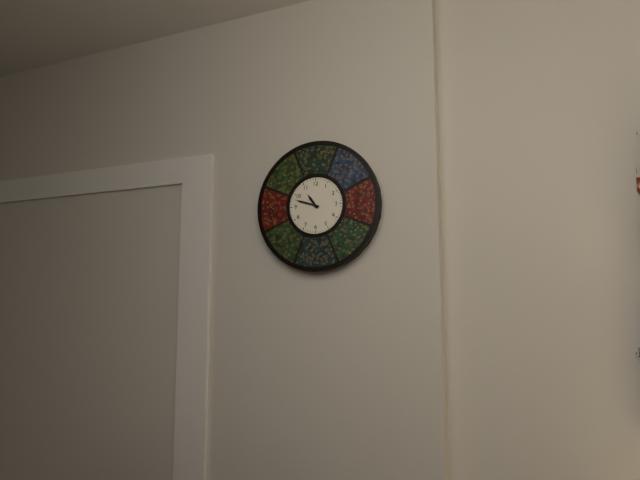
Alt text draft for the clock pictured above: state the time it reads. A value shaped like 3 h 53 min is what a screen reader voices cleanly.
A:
10 h 48 min
